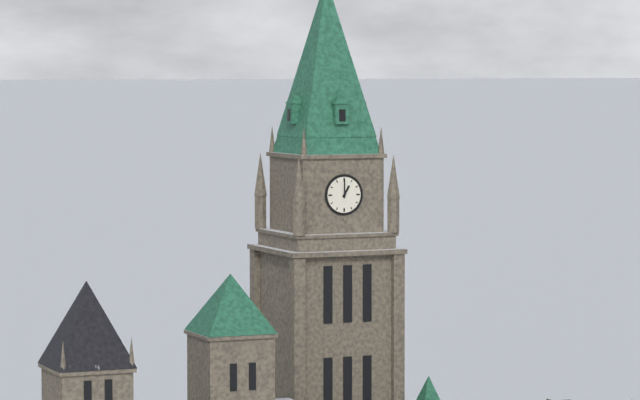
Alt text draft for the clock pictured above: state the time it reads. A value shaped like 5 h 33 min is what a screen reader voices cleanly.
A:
1 h 00 min
